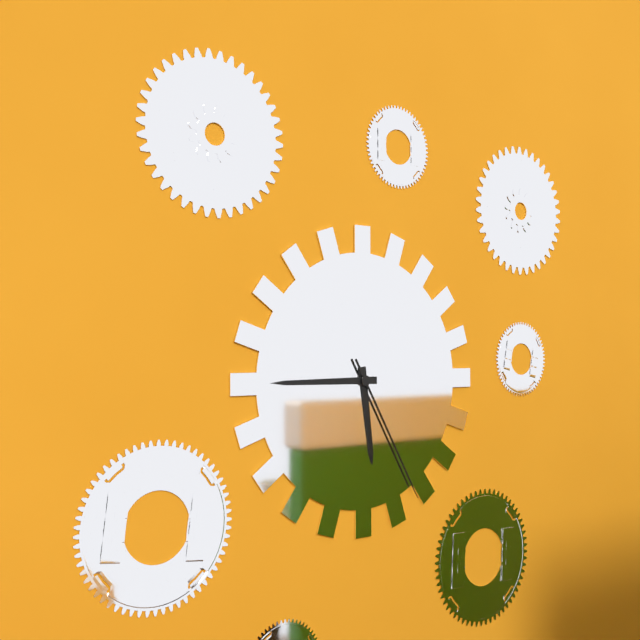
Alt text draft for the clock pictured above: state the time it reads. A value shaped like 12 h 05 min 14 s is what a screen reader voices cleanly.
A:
5 h 45 min 25 s
